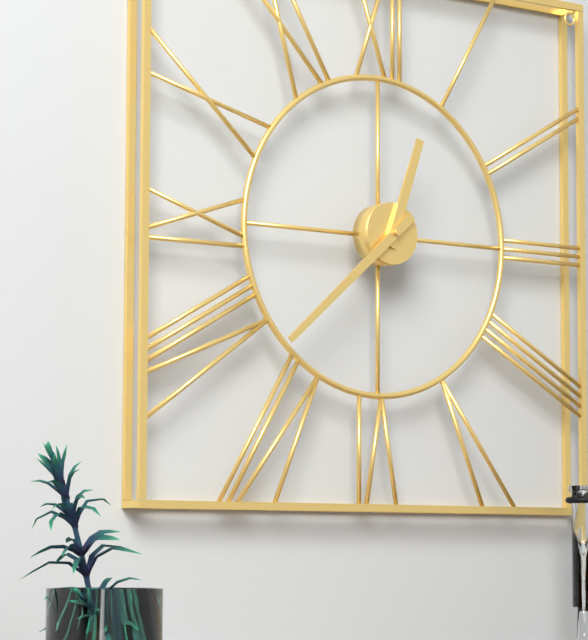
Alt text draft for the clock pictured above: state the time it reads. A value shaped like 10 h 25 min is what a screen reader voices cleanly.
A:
12 h 38 min
